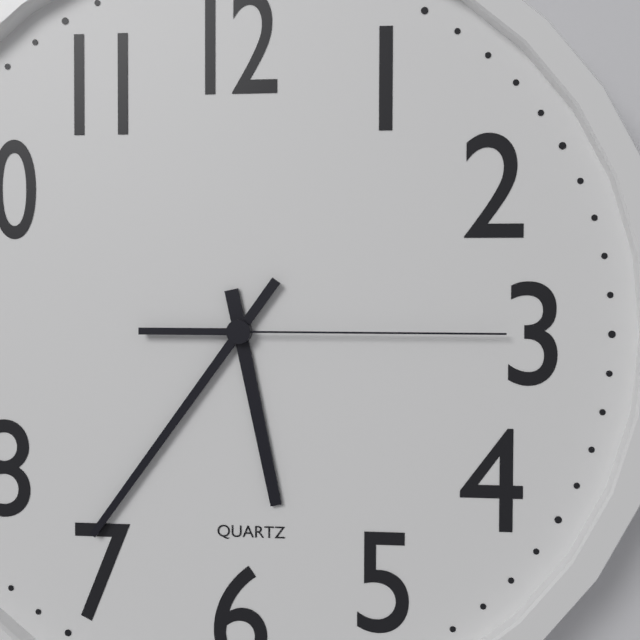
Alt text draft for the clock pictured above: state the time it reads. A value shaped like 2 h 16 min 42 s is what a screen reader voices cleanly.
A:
5 h 36 min 15 s
